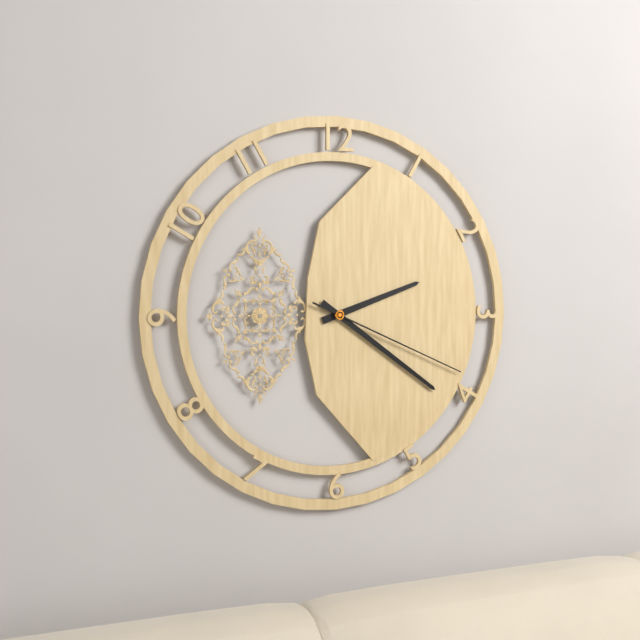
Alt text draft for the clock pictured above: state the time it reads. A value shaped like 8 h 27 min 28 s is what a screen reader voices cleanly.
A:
2 h 21 min 19 s
